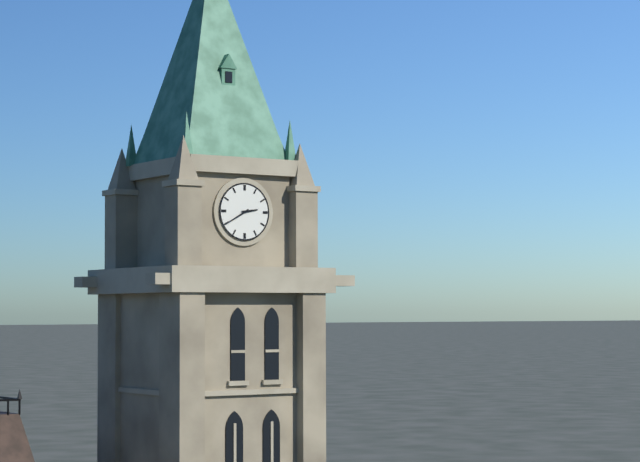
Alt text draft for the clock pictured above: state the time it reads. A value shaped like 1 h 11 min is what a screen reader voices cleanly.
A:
2 h 40 min
